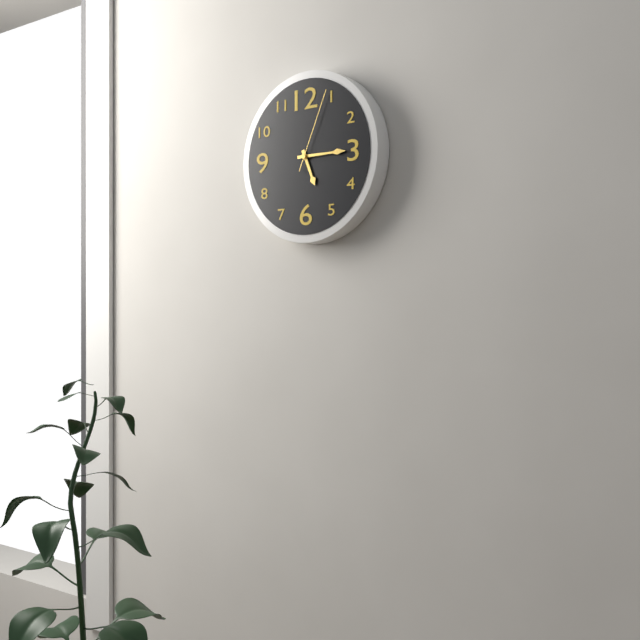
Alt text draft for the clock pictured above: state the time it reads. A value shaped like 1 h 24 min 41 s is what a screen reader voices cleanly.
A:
5 h 15 min 04 s
